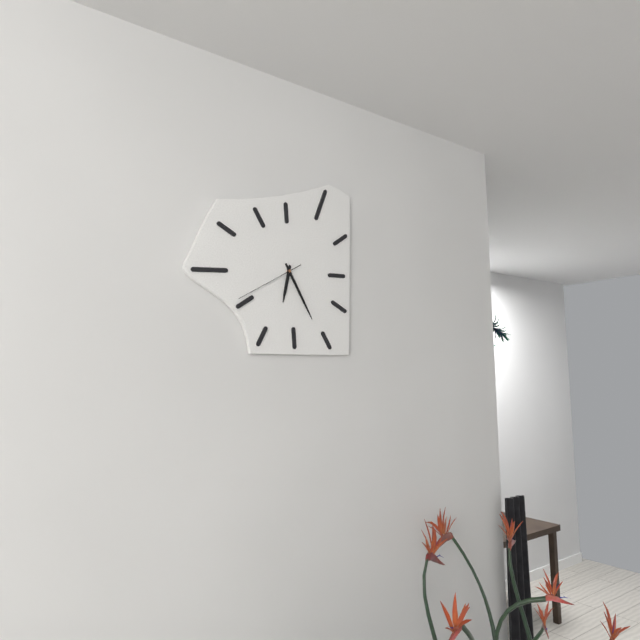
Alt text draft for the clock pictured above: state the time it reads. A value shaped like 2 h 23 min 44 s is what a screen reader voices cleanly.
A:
6 h 25 min 40 s
